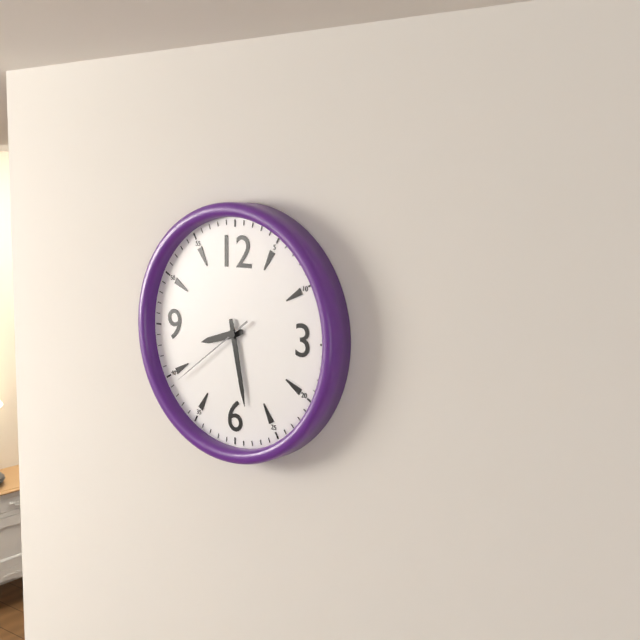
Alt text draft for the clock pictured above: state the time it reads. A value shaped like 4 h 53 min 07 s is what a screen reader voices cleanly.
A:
8 h 28 min 39 s
